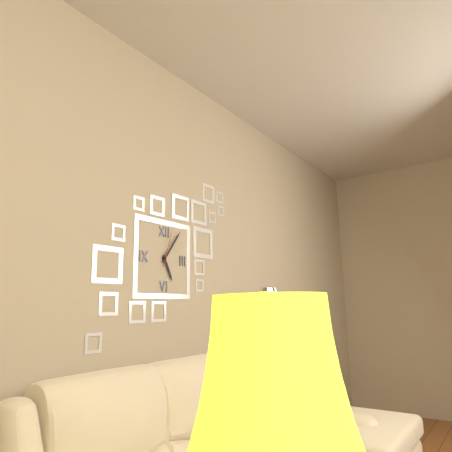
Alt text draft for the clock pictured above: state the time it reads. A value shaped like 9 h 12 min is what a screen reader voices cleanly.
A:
5 h 06 min
